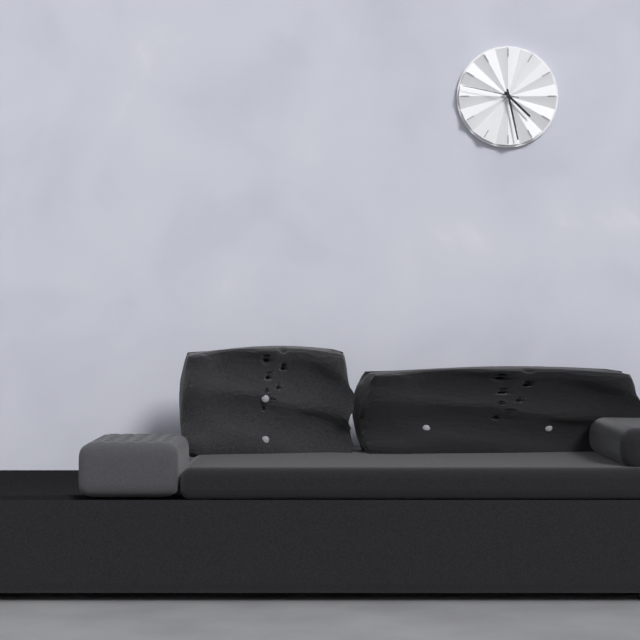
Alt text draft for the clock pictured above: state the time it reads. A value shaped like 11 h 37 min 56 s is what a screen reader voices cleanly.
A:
4 h 28 min 47 s
